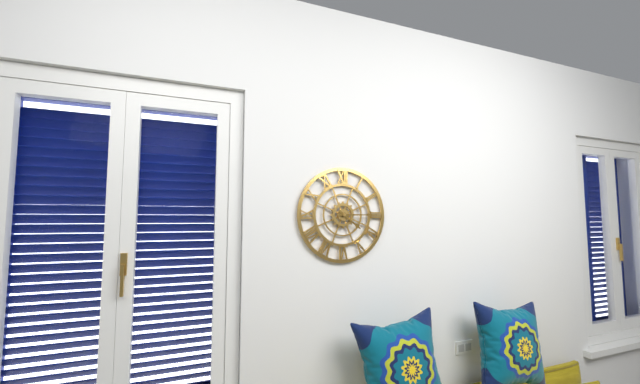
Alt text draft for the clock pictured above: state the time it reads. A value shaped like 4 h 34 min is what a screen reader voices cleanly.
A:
4 h 15 min
